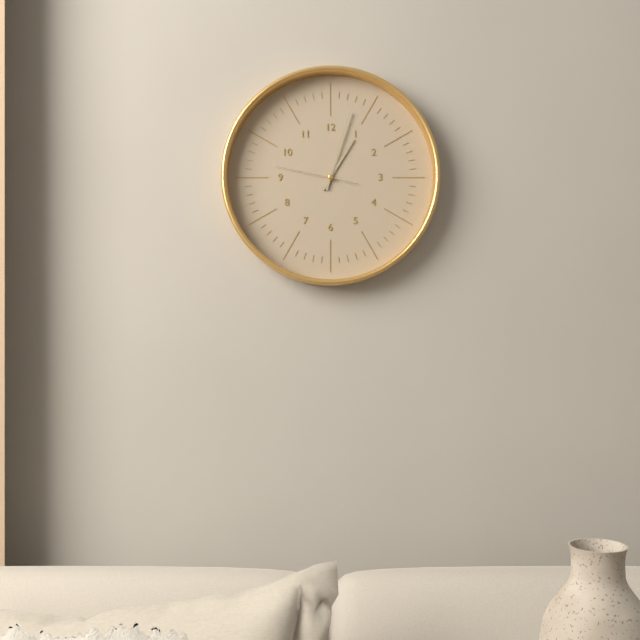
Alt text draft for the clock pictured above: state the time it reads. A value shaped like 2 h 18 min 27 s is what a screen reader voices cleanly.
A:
1 h 03 min 47 s
